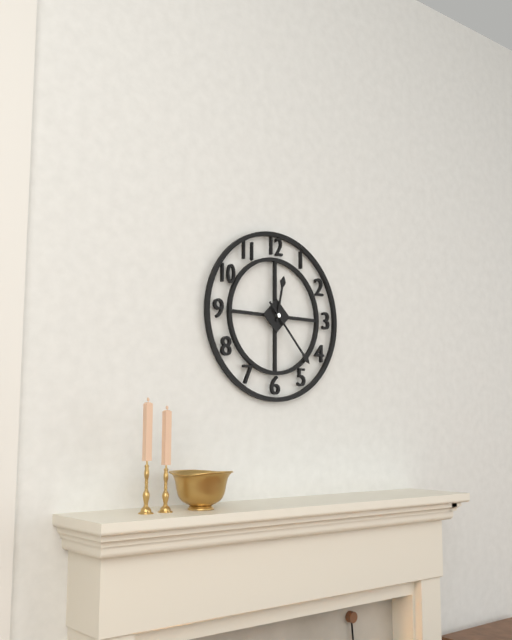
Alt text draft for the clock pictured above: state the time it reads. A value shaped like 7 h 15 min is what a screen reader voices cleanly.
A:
12 h 23 min
